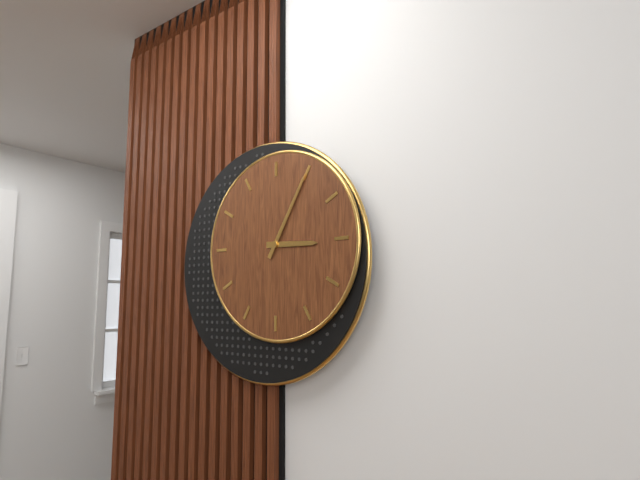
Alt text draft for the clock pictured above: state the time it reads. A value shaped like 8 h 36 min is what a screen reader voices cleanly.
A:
3 h 05 min
